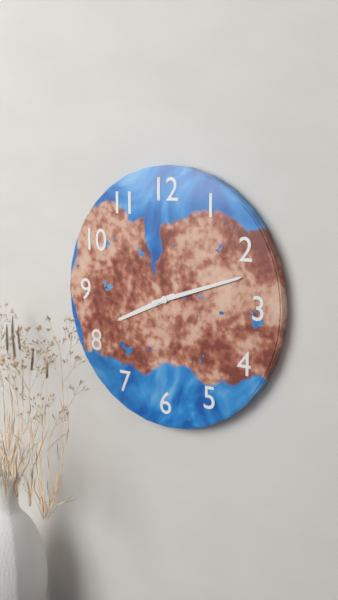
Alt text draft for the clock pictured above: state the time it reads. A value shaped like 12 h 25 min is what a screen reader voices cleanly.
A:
8 h 12 min
